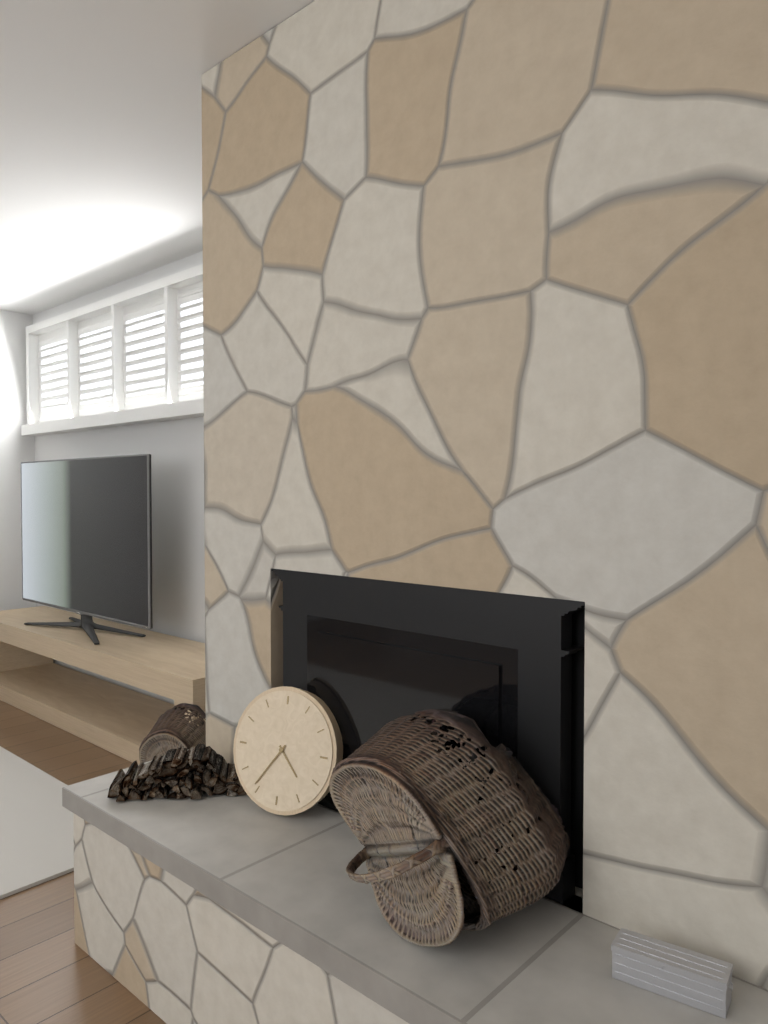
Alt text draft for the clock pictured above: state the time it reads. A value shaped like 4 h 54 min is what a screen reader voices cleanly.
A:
4 h 36 min
